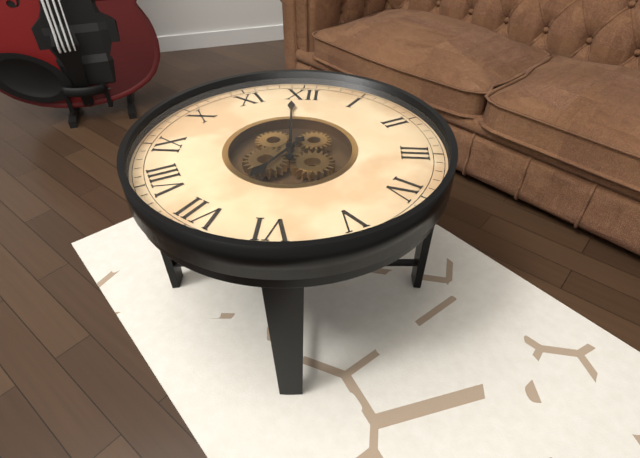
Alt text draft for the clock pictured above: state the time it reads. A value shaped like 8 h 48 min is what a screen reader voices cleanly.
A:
6 h 59 min
